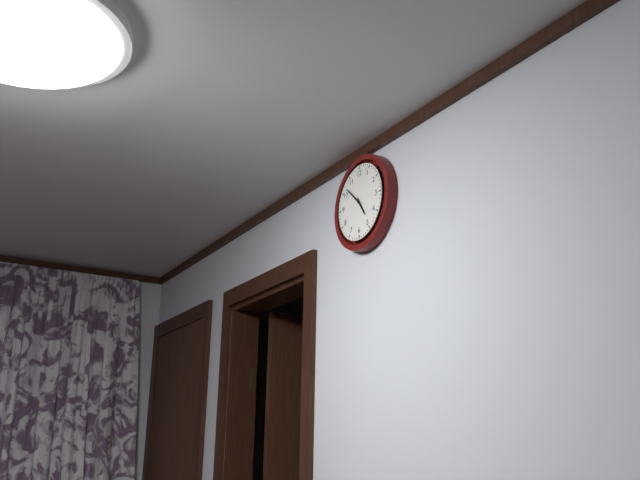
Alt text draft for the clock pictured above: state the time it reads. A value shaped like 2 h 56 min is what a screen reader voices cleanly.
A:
4 h 52 min
